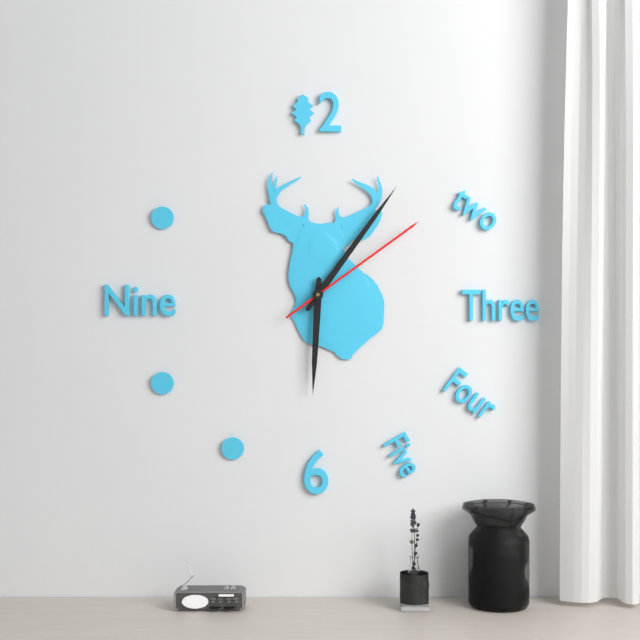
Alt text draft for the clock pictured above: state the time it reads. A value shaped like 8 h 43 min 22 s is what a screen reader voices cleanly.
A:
6 h 06 min 09 s
